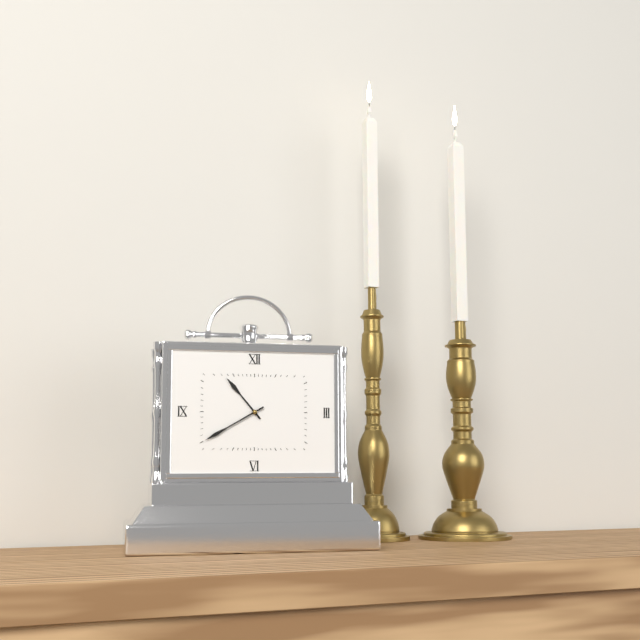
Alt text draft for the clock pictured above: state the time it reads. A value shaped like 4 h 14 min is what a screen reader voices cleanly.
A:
10 h 40 min
